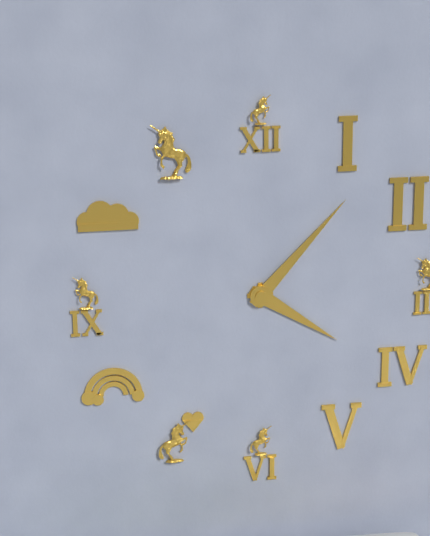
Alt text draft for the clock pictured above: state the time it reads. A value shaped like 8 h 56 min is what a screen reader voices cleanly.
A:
4 h 07 min
